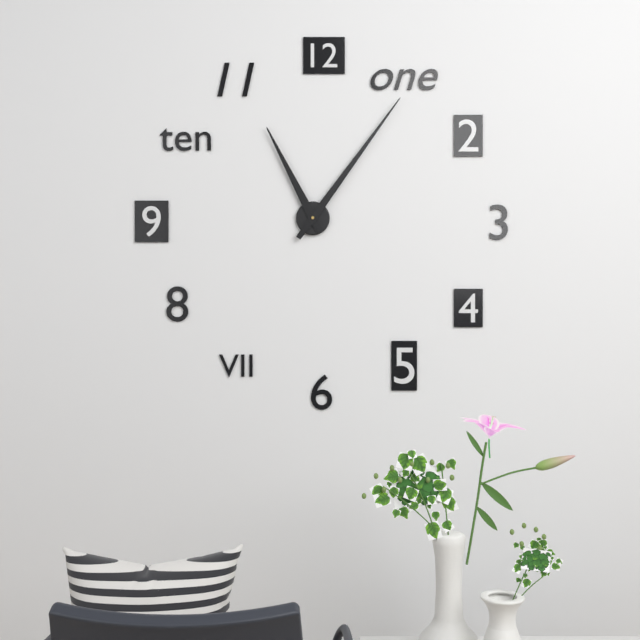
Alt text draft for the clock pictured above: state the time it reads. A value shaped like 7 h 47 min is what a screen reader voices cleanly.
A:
11 h 06 min
